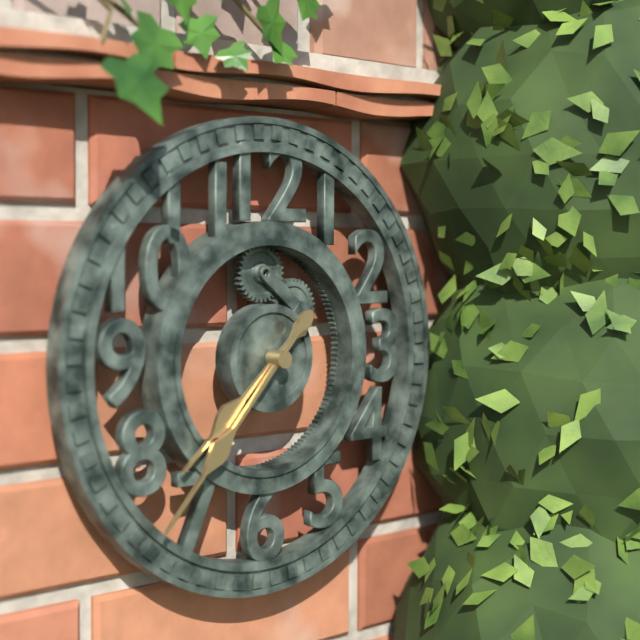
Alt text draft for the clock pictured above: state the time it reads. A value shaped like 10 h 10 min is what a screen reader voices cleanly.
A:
7 h 37 min
